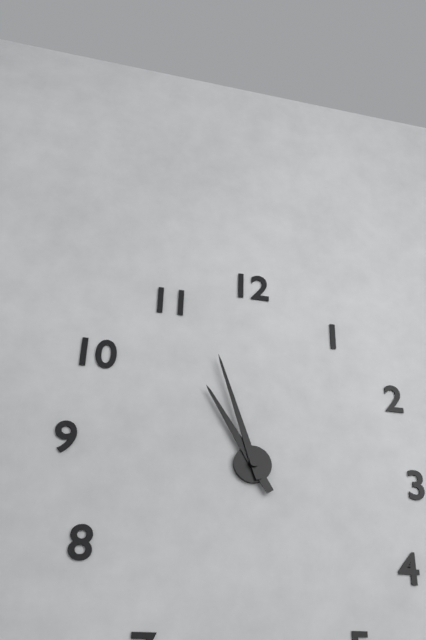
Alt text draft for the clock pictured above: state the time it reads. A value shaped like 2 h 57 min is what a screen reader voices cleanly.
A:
10 h 57 min
